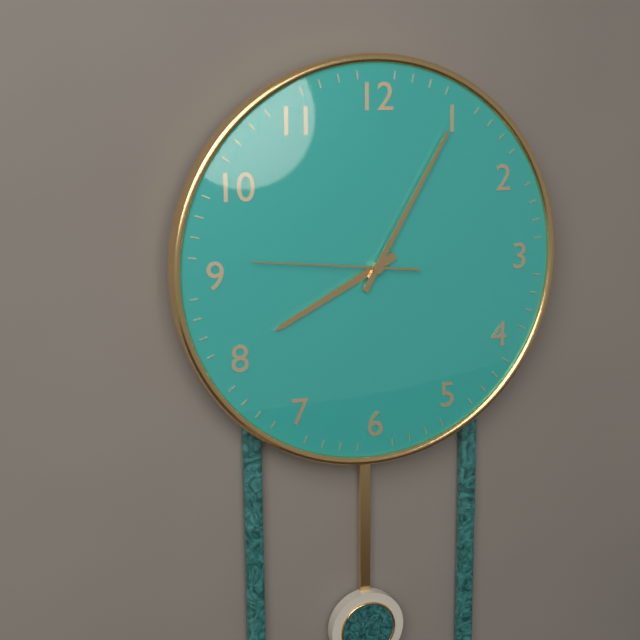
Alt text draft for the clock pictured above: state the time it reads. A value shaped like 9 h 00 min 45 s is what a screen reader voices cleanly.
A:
8 h 05 min 46 s
